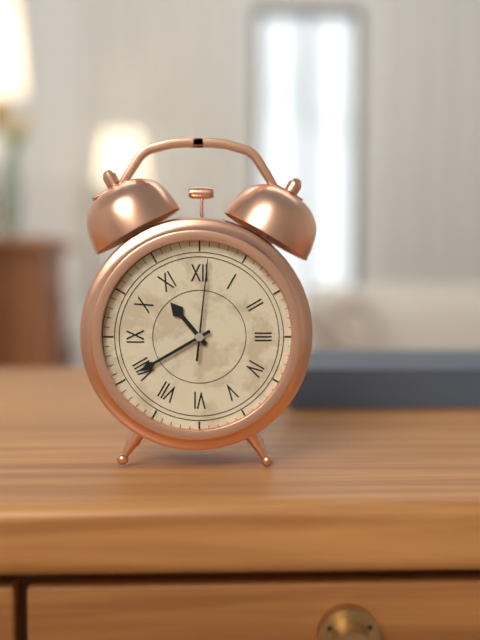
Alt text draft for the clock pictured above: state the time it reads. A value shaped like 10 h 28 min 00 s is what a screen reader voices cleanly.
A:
10 h 40 min 01 s
